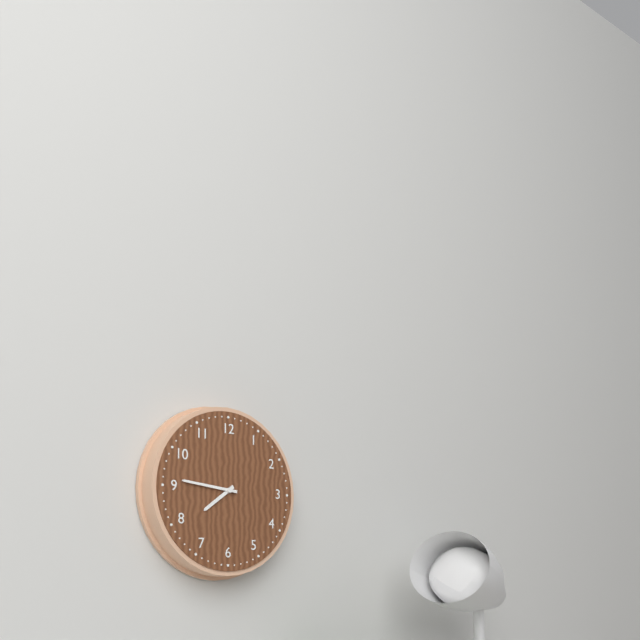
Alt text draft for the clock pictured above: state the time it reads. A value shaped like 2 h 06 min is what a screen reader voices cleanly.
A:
7 h 46 min
